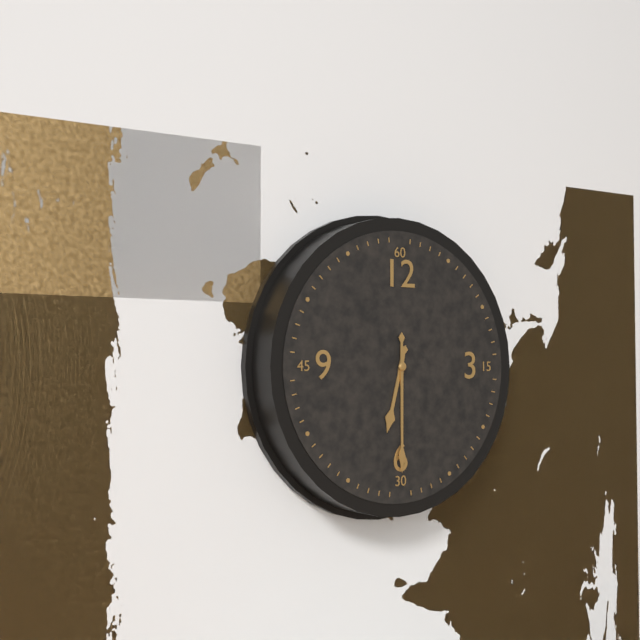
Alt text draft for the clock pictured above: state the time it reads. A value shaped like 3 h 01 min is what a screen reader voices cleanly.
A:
6 h 30 min
